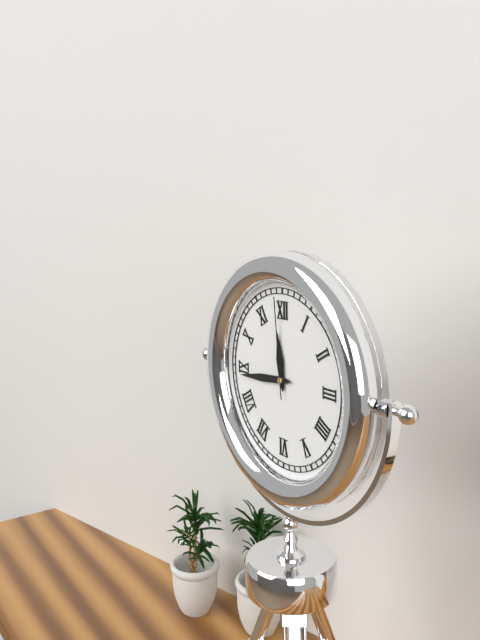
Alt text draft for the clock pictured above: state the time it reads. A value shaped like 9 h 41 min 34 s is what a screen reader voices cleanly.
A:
11 h 44 min 59 s
